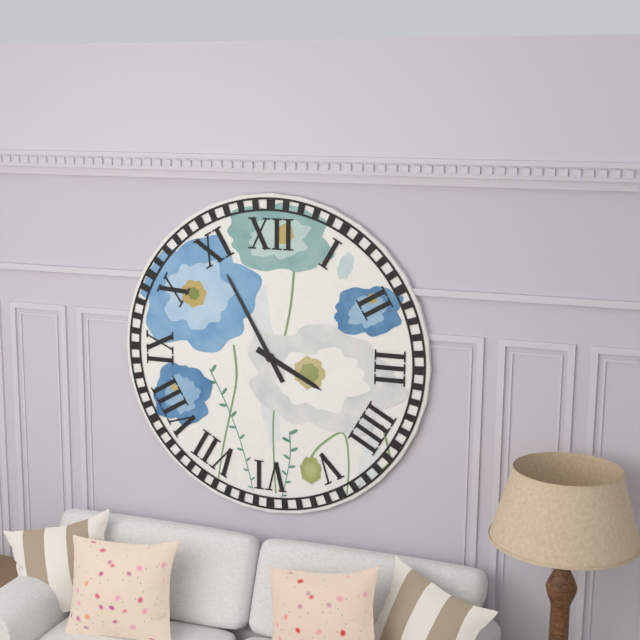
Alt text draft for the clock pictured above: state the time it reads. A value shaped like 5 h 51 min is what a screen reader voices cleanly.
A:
3 h 55 min
